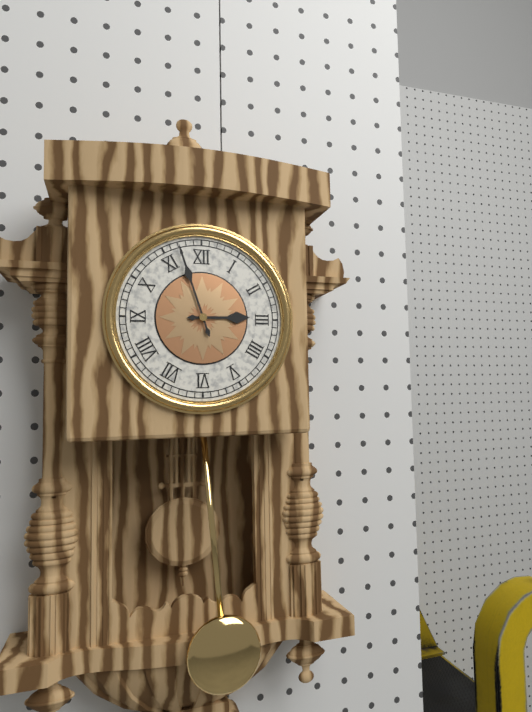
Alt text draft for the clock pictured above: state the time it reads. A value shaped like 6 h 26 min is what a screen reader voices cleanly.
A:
2 h 57 min
